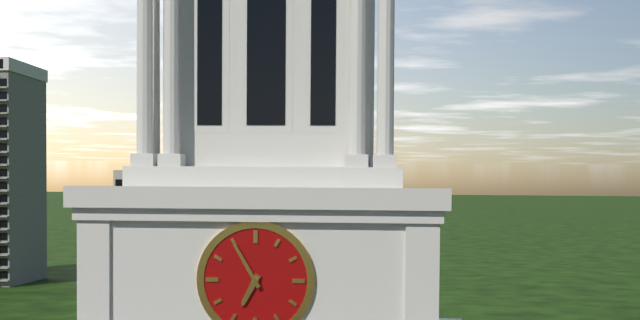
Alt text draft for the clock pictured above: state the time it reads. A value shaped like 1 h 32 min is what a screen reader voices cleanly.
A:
6 h 55 min
